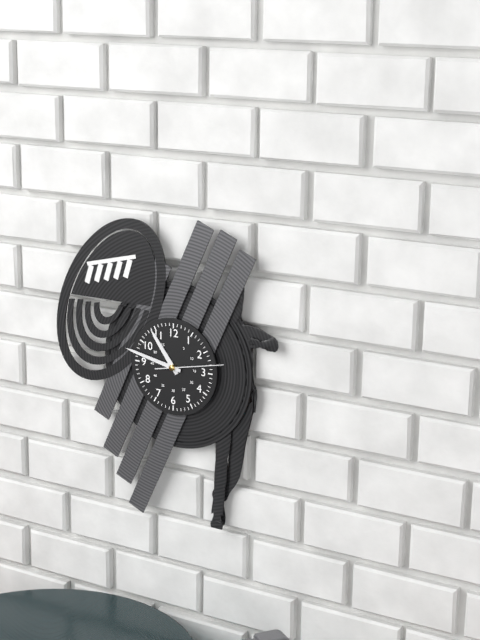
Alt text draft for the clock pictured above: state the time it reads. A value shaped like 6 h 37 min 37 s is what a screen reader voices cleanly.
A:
10 h 47 min 13 s
